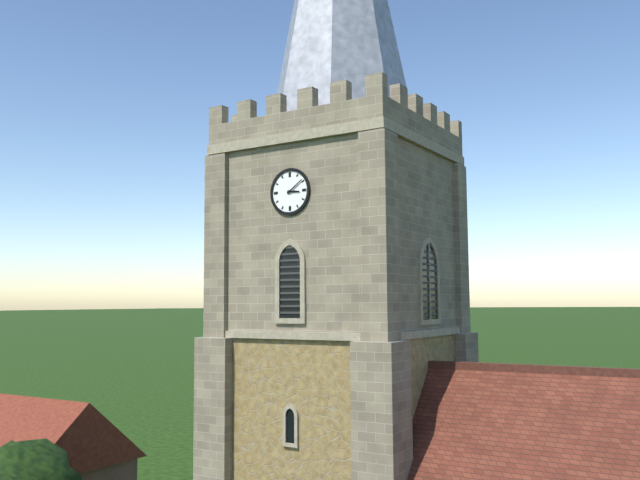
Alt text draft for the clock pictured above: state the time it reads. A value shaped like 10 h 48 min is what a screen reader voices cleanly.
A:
3 h 09 min
